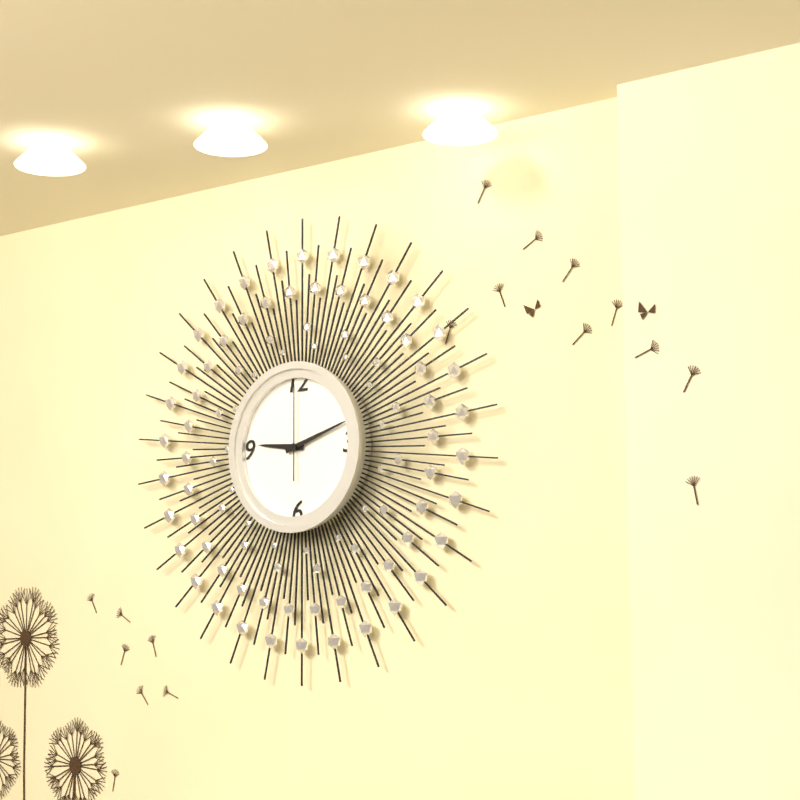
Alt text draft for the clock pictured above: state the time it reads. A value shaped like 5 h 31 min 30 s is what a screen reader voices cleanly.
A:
9 h 12 min 00 s
